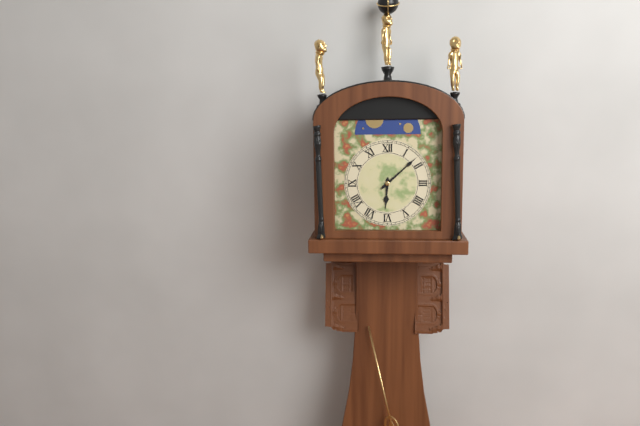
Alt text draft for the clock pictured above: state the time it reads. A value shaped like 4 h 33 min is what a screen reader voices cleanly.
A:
6 h 08 min
